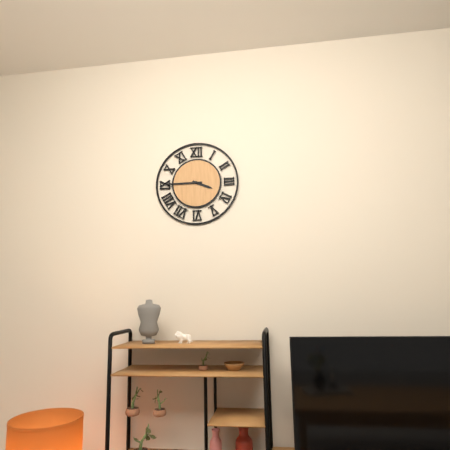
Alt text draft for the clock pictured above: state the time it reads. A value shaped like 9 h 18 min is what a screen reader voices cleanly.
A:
3 h 45 min
